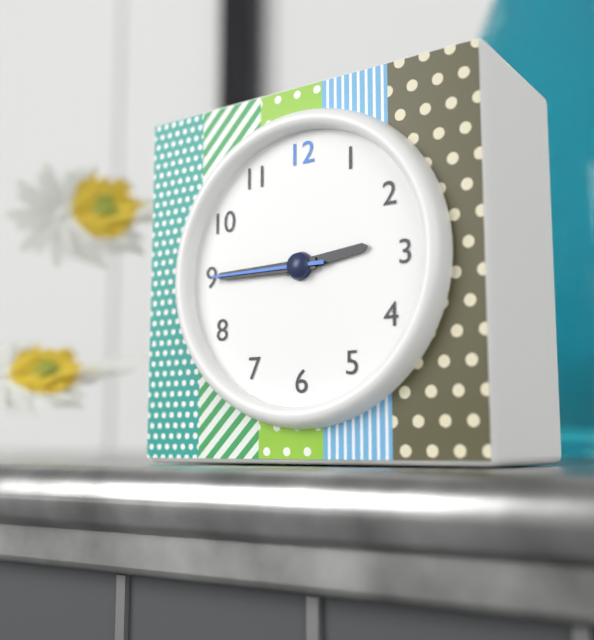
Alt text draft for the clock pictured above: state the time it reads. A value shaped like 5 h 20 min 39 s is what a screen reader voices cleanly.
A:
2 h 45 min 45 s
